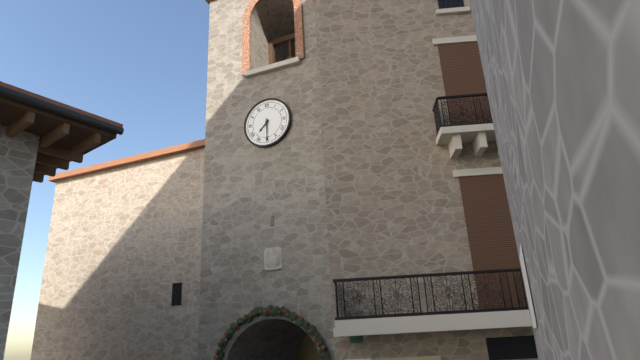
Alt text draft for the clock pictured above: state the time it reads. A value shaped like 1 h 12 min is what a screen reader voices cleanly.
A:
7 h 30 min
